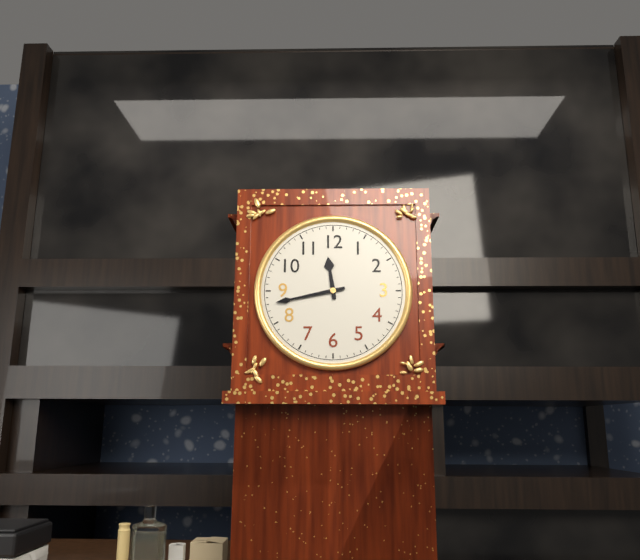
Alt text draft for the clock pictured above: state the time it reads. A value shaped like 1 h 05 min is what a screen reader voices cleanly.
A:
11 h 43 min
